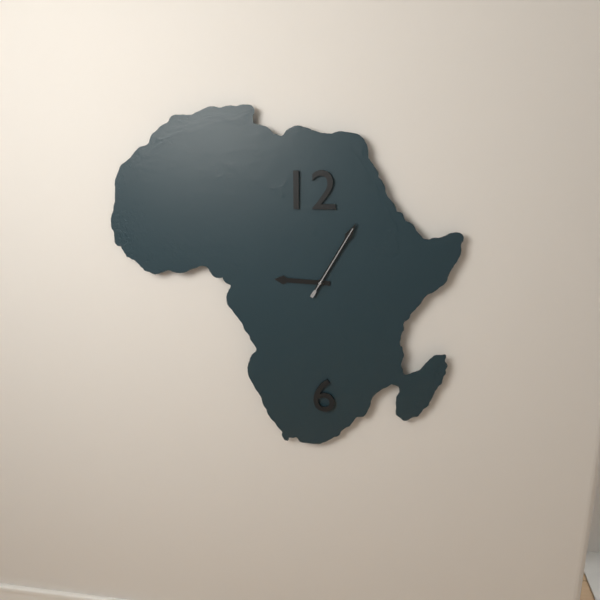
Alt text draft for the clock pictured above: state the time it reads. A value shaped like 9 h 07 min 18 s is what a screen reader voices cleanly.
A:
9 h 05 min 05 s
